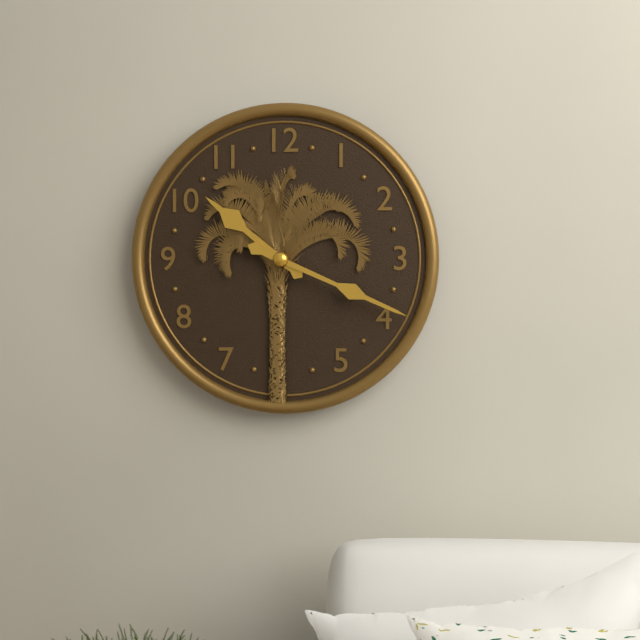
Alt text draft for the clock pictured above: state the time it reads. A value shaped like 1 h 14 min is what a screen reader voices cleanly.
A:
10 h 19 min
